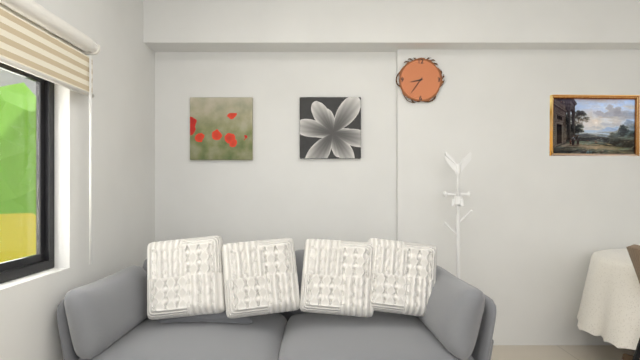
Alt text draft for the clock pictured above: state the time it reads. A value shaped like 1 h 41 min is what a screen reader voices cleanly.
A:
8 h 36 min
